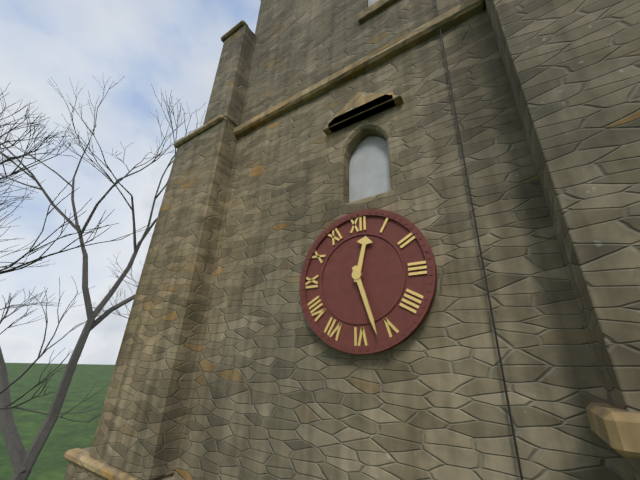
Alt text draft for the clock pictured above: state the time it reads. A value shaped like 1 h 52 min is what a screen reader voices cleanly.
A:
12 h 27 min
